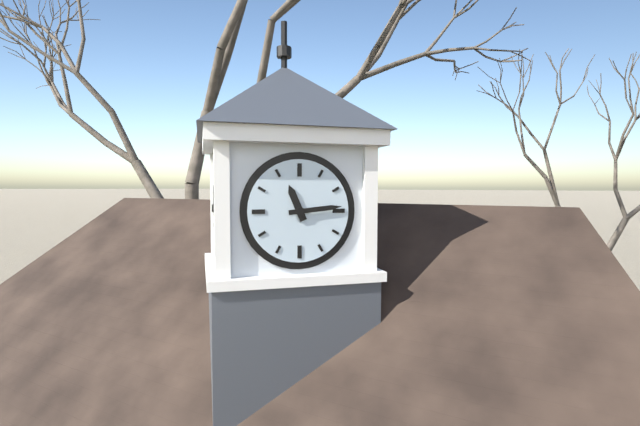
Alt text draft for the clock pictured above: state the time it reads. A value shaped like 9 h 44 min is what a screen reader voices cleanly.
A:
11 h 14 min
